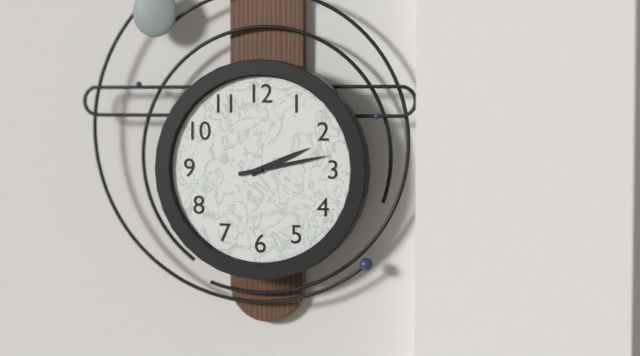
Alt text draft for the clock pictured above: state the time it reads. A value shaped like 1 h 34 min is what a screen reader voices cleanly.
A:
2 h 13 min
